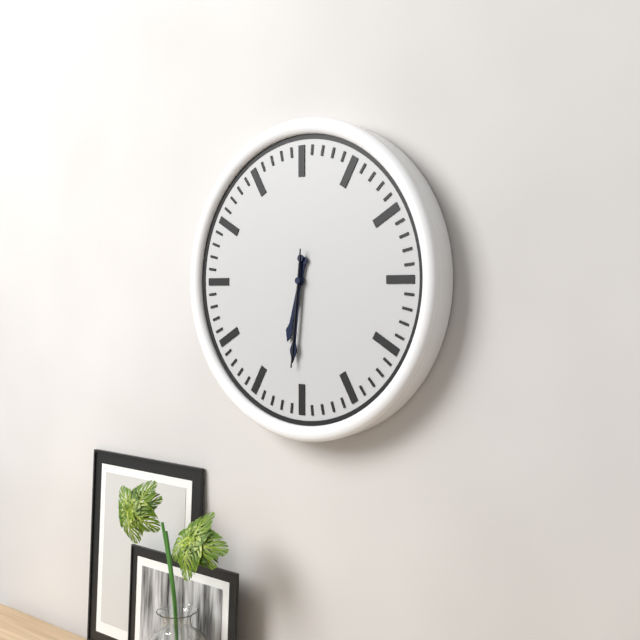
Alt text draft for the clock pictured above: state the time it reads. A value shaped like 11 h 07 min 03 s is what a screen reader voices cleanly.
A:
6 h 31 min 31 s
